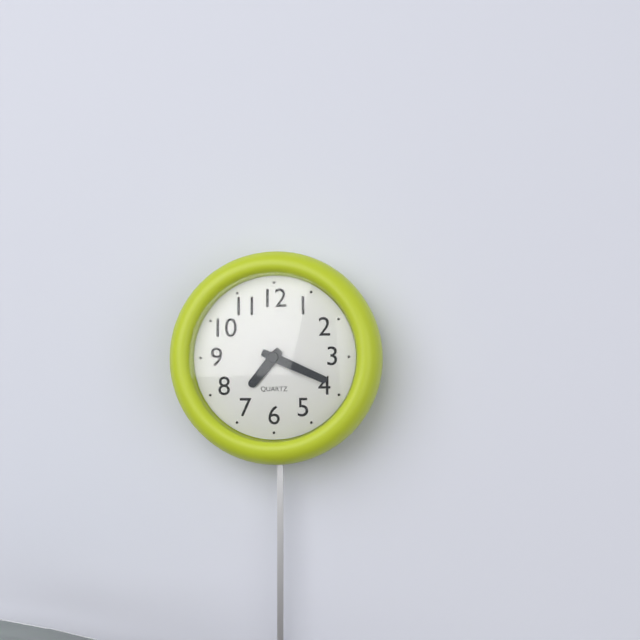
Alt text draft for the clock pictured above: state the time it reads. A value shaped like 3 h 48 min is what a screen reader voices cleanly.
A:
7 h 19 min
